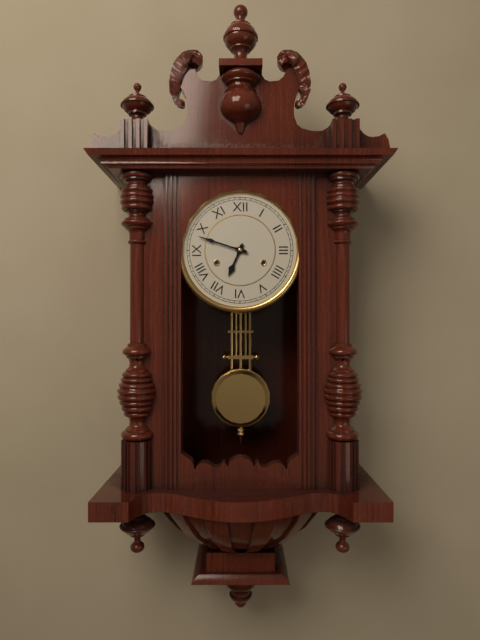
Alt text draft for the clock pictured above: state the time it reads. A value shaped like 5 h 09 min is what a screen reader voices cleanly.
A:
6 h 48 min
